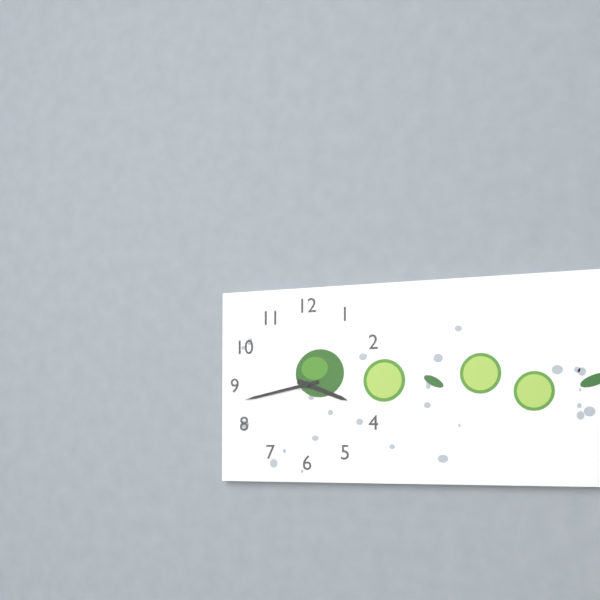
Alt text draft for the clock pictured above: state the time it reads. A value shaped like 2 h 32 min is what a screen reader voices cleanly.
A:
3 h 43 min
